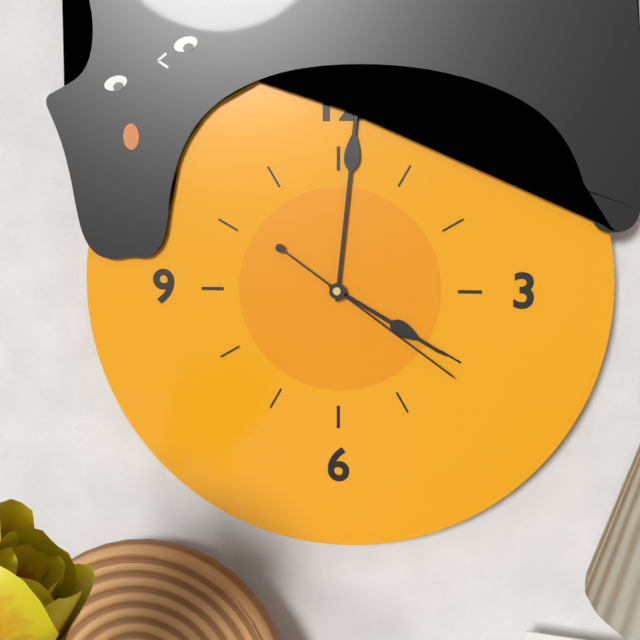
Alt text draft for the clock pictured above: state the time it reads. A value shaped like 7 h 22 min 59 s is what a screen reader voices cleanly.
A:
4 h 01 min 21 s
